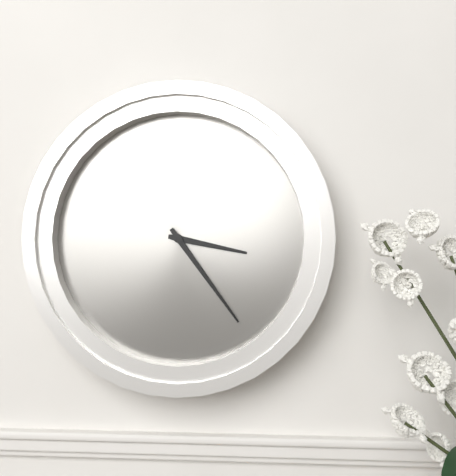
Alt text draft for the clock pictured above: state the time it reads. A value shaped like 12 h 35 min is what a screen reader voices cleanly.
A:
3 h 24 min
